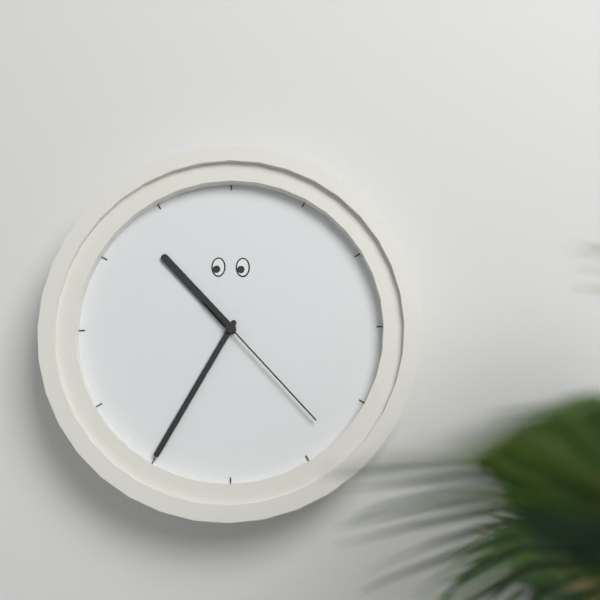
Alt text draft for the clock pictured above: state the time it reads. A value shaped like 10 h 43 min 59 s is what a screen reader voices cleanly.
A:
10 h 35 min 23 s
